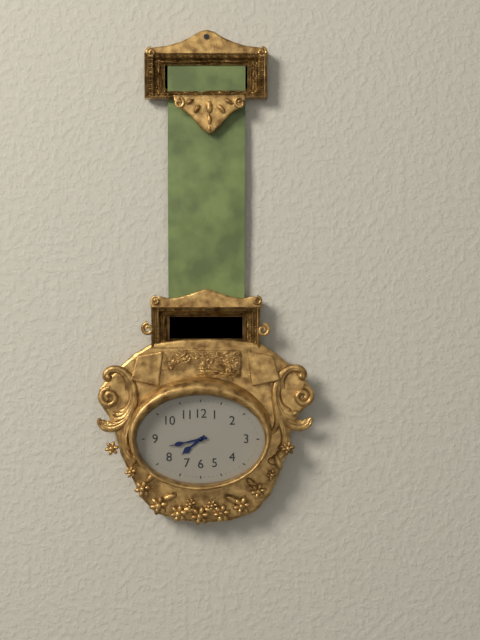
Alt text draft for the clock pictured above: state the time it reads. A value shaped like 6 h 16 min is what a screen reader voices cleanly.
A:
7 h 43 min
